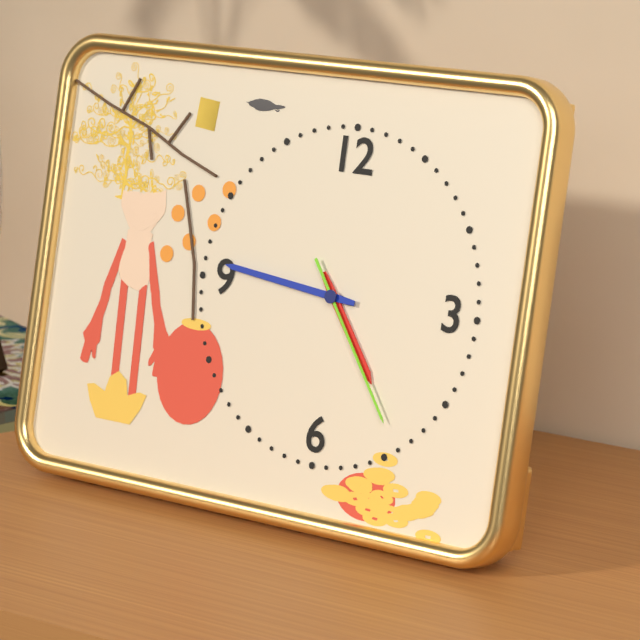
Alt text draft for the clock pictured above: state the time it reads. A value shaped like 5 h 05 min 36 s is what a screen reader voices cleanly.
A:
4 h 46 min 24 s
